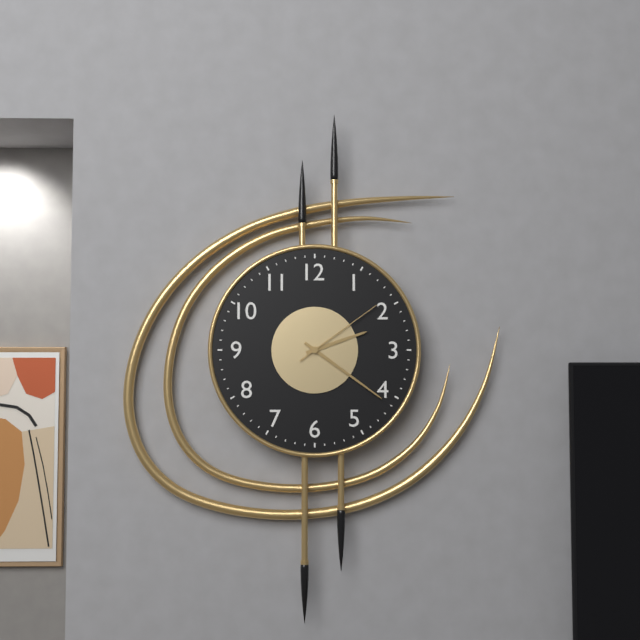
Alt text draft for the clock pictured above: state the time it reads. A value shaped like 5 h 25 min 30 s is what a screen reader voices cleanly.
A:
2 h 21 min 09 s
